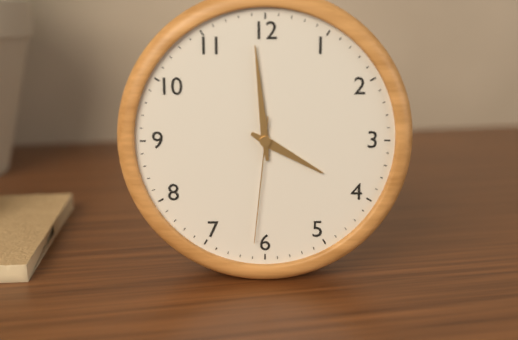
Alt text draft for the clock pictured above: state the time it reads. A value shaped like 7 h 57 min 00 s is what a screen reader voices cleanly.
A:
3 h 59 min 31 s
